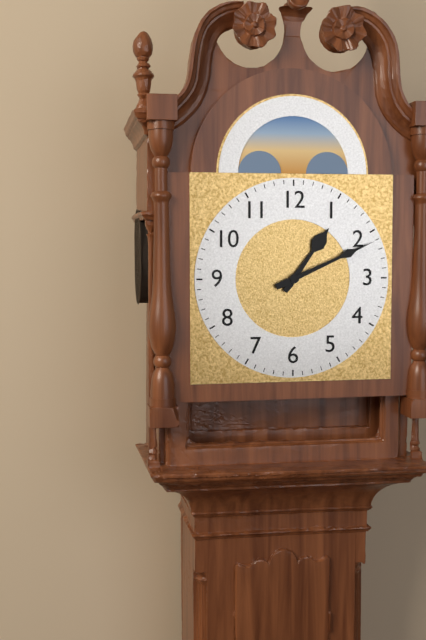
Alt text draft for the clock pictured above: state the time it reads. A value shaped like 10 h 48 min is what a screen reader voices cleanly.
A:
1 h 11 min
